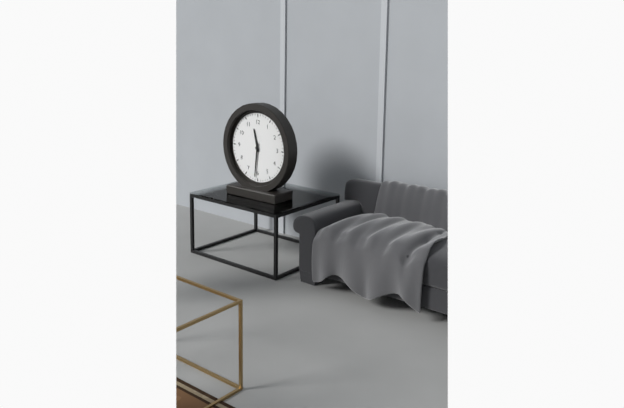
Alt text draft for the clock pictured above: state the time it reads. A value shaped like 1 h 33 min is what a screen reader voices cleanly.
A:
11 h 31 min
